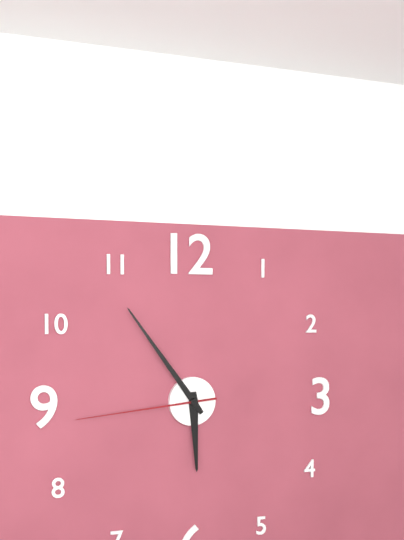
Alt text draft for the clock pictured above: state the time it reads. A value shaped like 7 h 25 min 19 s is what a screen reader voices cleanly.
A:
5 h 54 min 44 s
